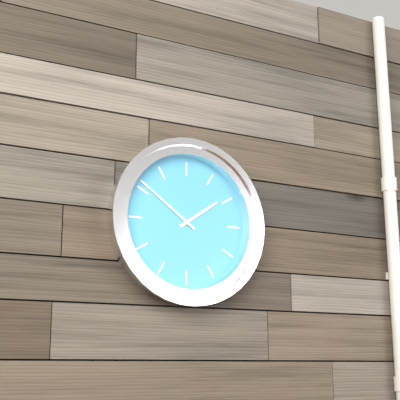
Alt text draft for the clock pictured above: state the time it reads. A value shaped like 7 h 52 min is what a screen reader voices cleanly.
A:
1 h 51 min
